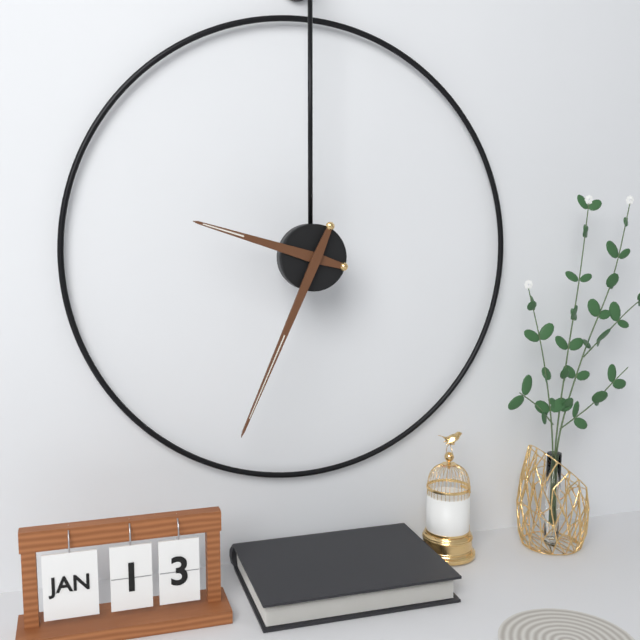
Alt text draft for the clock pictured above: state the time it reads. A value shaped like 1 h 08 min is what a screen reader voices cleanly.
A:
9 h 34 min
